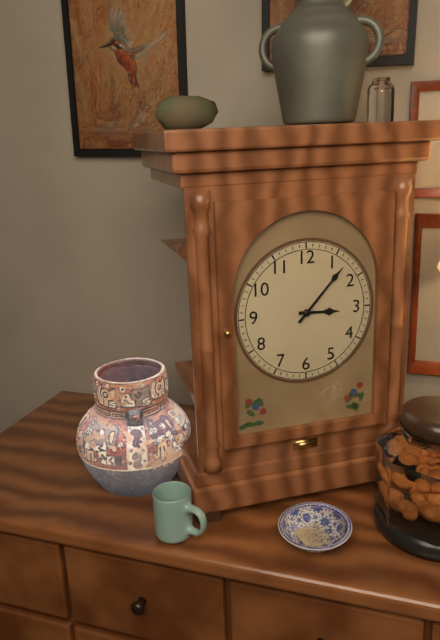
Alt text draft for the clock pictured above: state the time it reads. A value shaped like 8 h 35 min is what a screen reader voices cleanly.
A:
3 h 07 min
